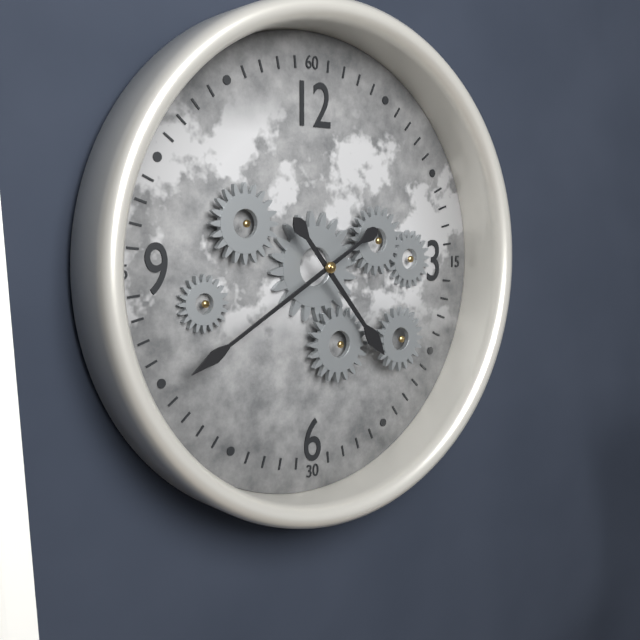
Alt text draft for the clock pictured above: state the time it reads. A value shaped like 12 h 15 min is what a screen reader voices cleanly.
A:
4 h 40 min
